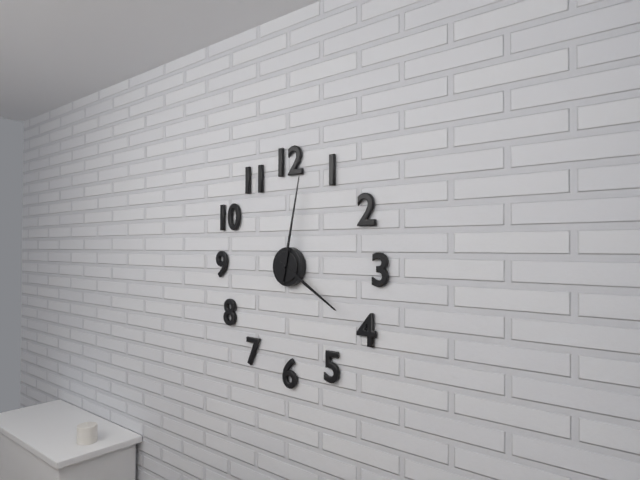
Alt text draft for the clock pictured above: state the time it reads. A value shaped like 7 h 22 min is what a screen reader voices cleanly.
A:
4 h 02 min
